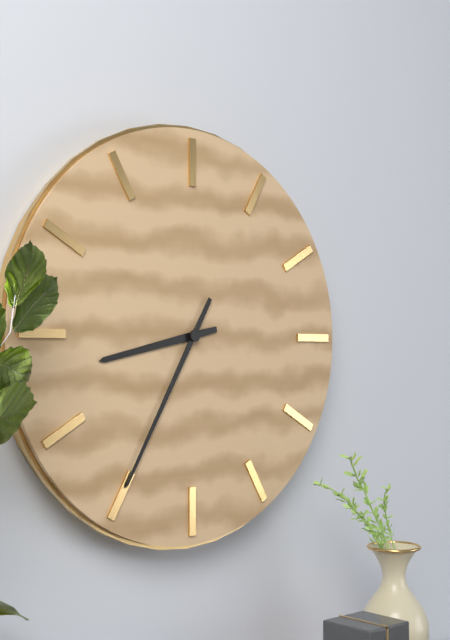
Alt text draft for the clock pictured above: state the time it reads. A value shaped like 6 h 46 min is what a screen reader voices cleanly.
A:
8 h 35 min
